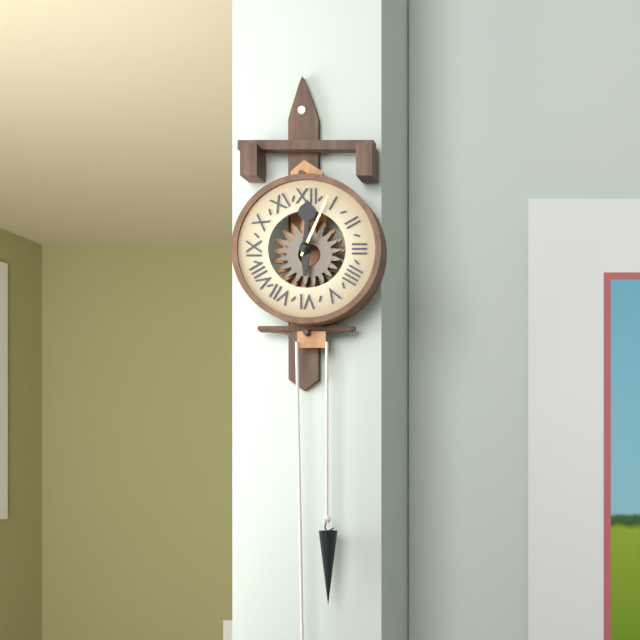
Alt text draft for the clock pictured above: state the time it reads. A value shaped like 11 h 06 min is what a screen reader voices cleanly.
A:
12 h 04 min
